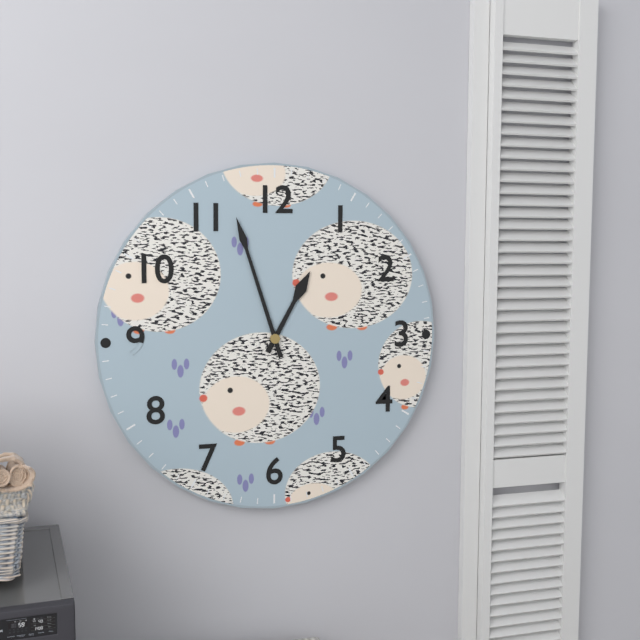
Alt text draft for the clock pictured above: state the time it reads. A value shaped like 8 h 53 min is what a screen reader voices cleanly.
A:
12 h 57 min
